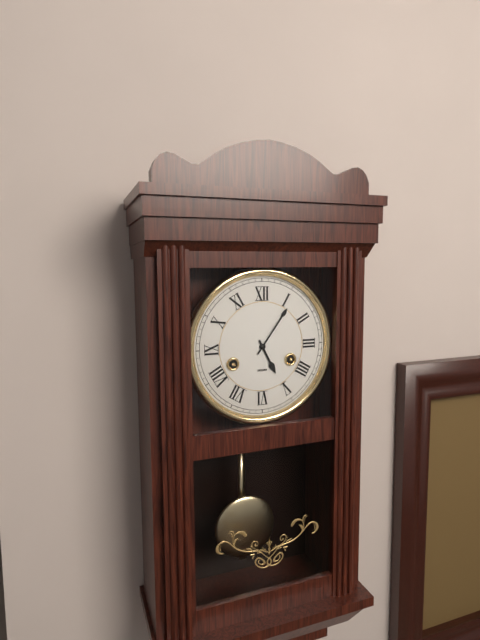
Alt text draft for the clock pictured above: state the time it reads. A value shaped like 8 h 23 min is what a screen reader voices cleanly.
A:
5 h 06 min
